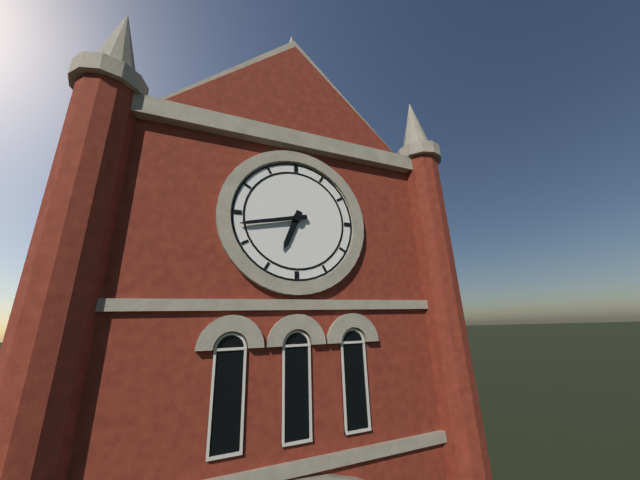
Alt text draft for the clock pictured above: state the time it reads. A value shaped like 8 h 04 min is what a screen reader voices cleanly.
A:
6 h 43 min
